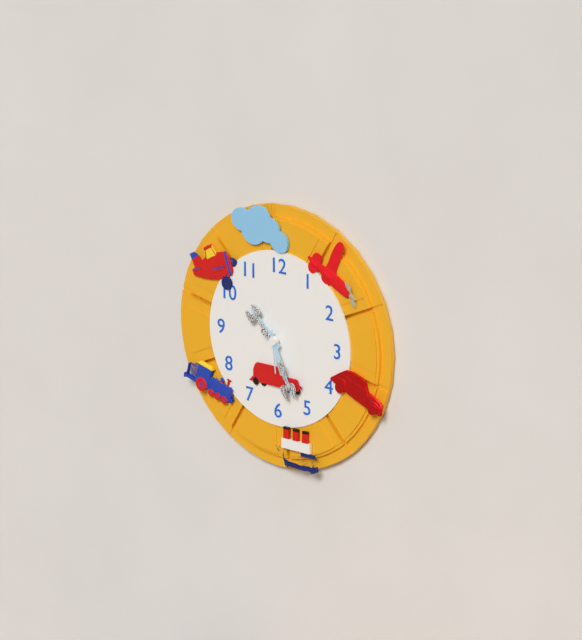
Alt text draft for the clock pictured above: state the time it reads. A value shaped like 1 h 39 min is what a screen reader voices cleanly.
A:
10 h 26 min
